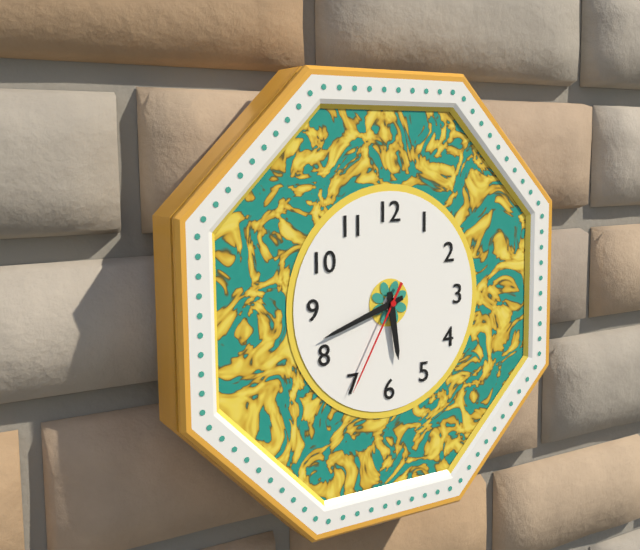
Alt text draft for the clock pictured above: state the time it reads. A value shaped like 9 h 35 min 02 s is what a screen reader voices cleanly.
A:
5 h 42 min 35 s
